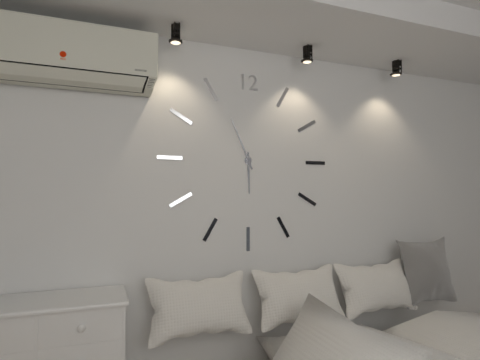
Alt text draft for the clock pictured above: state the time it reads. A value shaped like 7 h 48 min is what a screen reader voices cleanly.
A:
5 h 56 min
